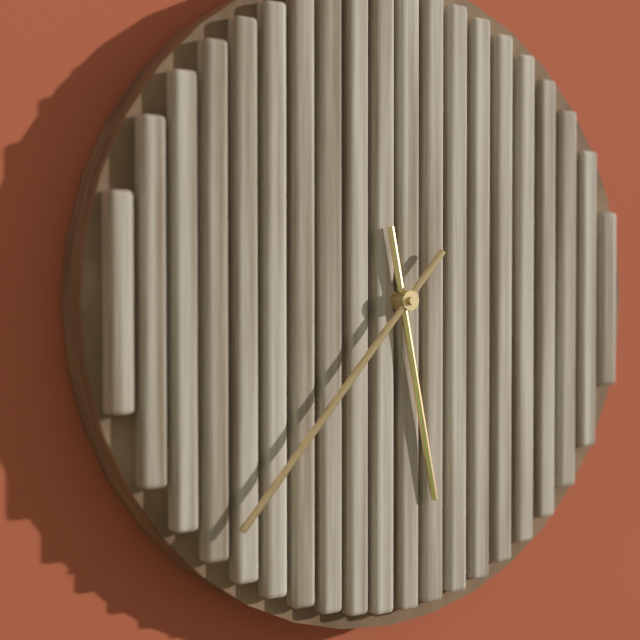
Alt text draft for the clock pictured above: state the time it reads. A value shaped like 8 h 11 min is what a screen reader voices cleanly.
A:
5 h 37 min
